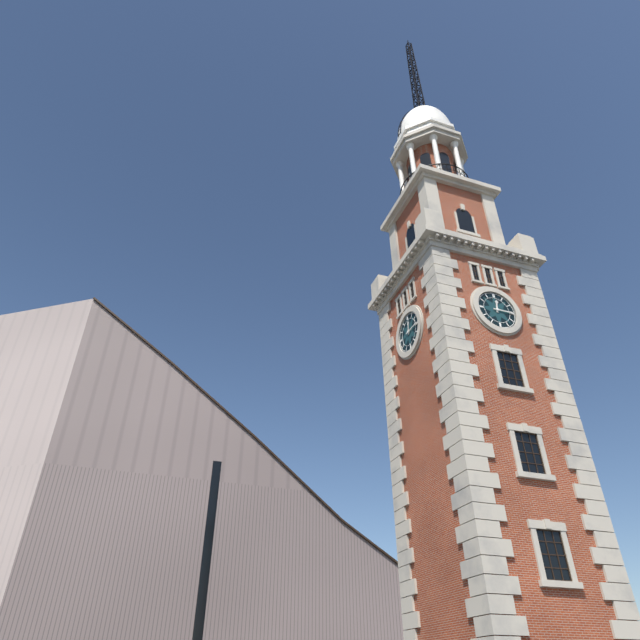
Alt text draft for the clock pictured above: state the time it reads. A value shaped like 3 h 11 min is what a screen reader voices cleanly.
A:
12 h 15 min
